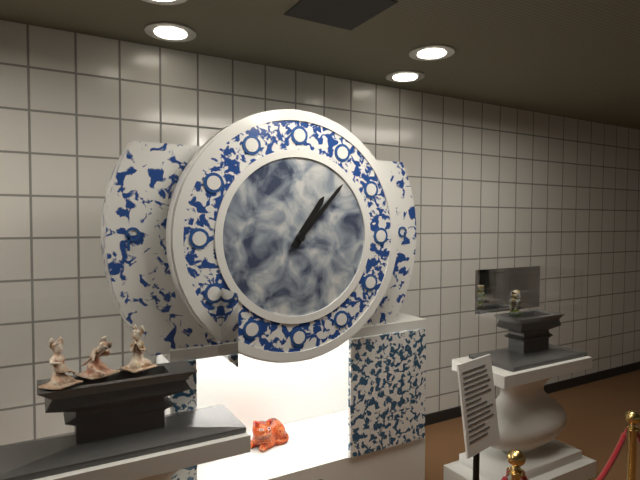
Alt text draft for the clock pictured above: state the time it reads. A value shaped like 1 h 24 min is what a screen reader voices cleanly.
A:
1 h 07 min
